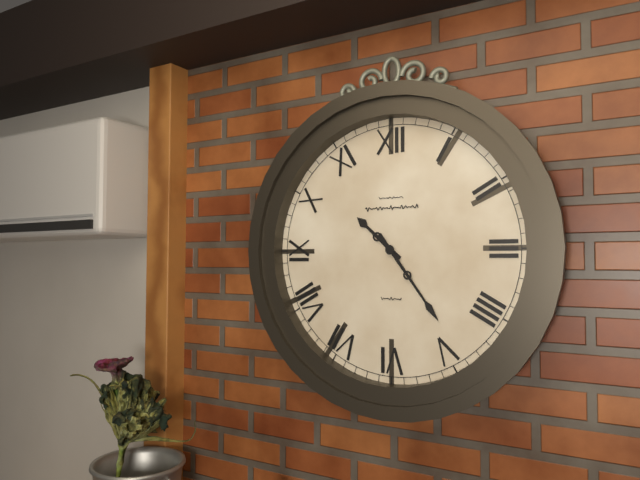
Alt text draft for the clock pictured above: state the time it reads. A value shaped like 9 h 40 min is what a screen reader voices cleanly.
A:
10 h 24 min
